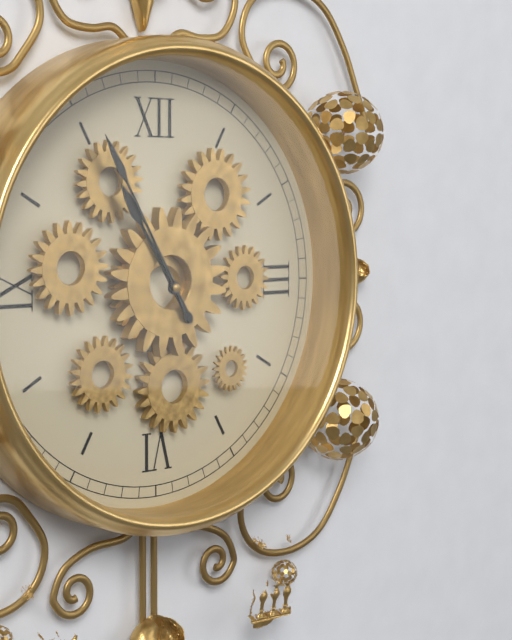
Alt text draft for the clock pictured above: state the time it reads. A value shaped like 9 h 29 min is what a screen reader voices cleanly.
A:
10 h 55 min
